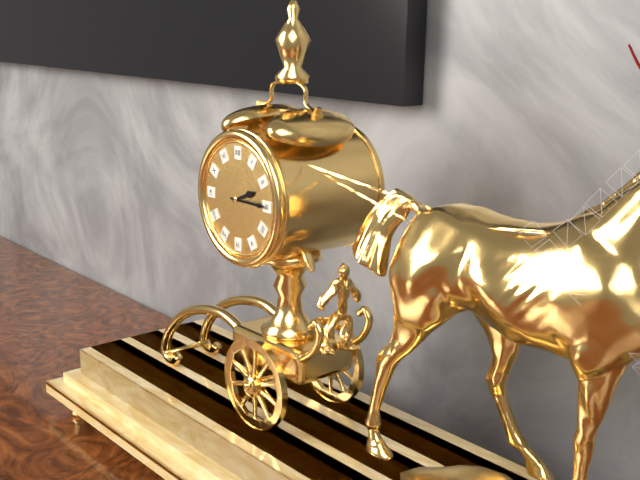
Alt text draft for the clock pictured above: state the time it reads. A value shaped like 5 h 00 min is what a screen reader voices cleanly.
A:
2 h 15 min
